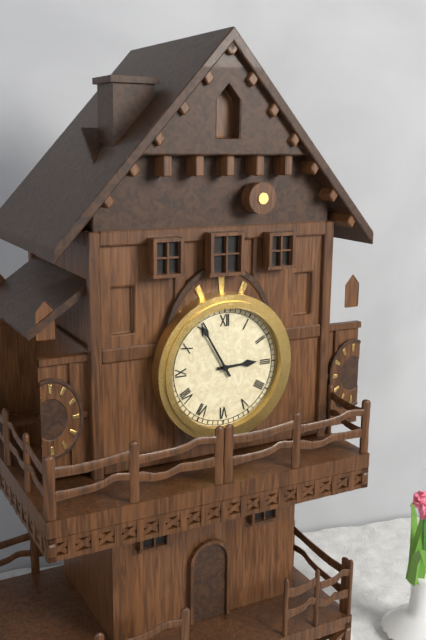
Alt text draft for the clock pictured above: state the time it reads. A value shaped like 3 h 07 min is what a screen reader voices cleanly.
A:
2 h 55 min
